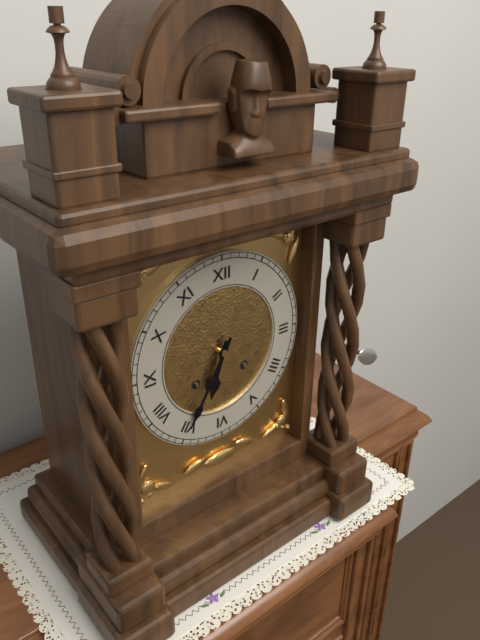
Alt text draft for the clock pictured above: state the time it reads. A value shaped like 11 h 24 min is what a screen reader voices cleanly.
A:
6 h 35 min
